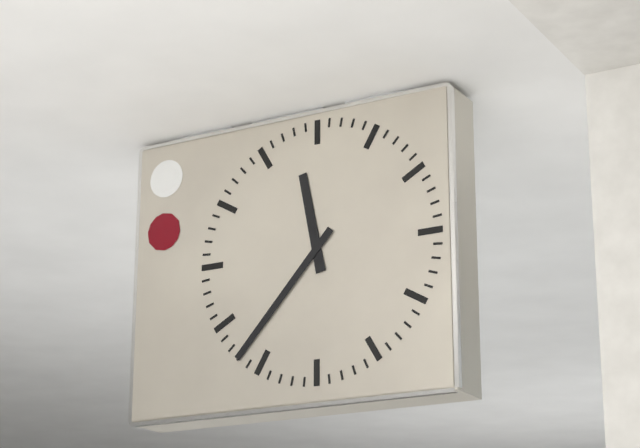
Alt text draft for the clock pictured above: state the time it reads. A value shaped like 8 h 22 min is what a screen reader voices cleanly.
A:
11 h 37 min
